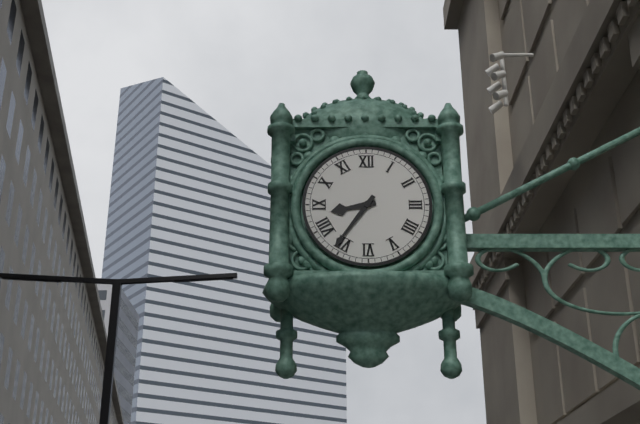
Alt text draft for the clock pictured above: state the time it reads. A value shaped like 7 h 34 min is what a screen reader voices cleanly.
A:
8 h 36 min
